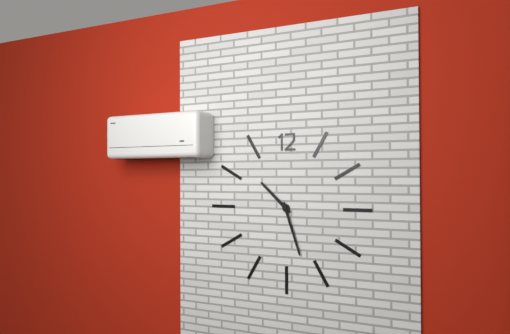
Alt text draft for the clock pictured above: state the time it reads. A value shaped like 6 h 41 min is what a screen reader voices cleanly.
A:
10 h 27 min
